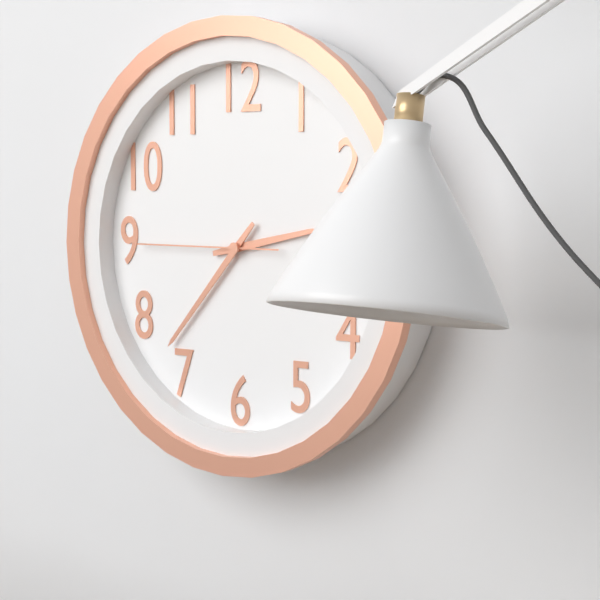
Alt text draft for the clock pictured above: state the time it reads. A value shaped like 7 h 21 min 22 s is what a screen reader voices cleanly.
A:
2 h 37 min 45 s
